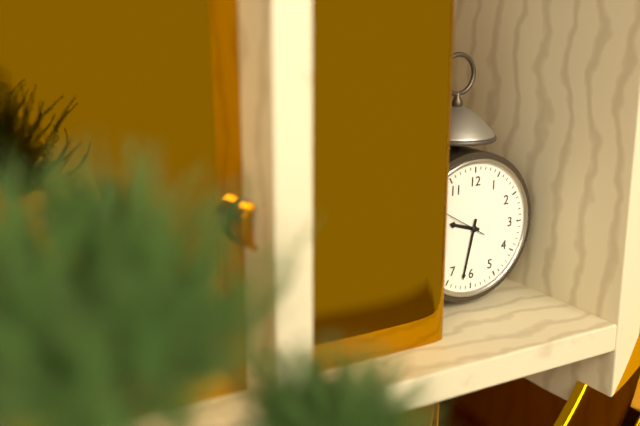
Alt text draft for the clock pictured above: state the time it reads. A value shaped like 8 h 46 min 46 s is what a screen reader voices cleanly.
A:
9 h 32 min 50 s
